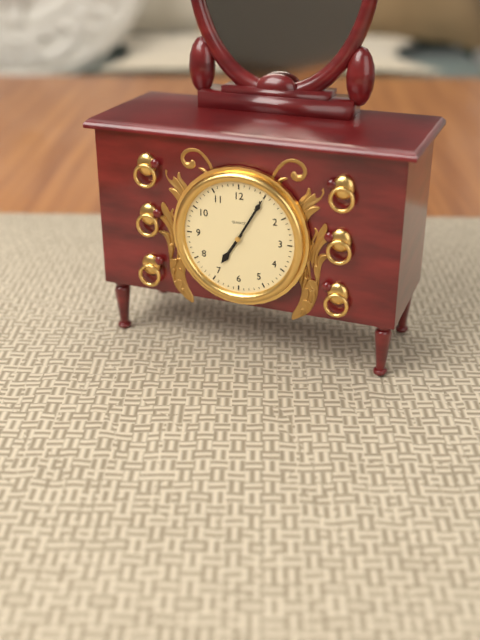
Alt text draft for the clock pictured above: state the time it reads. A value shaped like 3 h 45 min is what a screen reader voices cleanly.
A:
7 h 05 min
